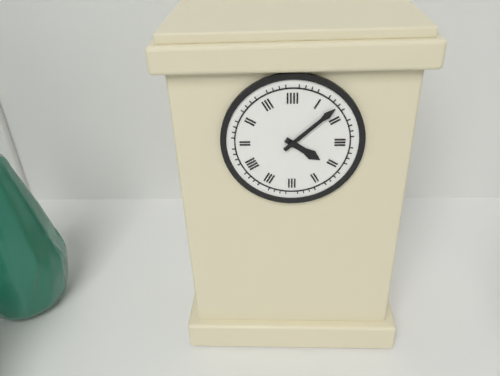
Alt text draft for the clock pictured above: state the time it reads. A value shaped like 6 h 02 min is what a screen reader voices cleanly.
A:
4 h 08 min
